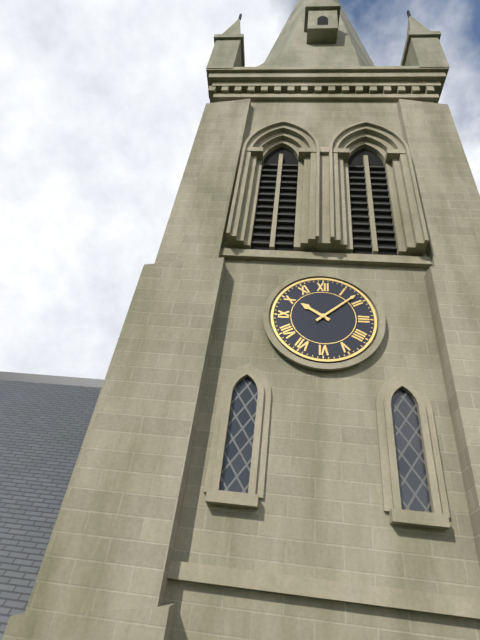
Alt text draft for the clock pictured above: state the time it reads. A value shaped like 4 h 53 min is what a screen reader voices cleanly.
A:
10 h 08 min
